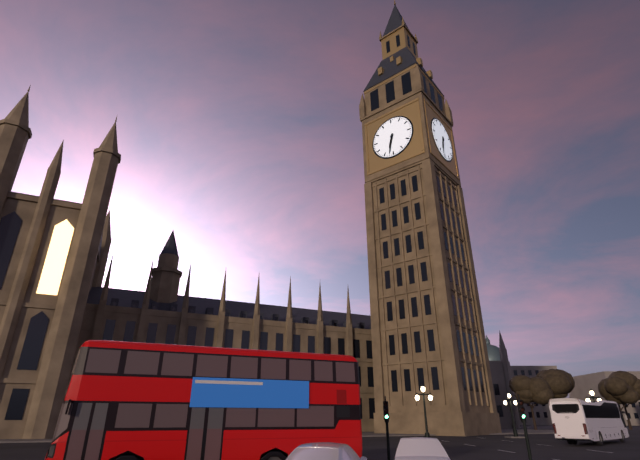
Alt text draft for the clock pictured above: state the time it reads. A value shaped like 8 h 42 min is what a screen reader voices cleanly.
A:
6 h 32 min
